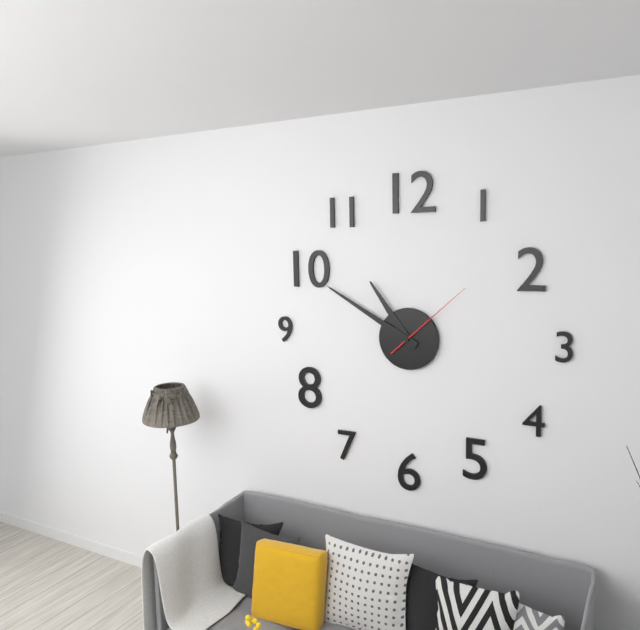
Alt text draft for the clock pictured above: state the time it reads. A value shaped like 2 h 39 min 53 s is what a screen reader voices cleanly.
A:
10 h 50 min 08 s
